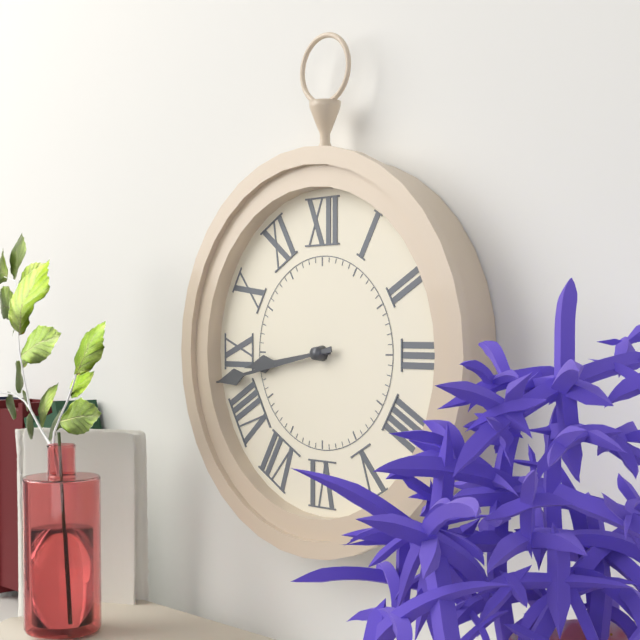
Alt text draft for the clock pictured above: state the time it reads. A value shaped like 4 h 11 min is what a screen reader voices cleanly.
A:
8 h 43 min
